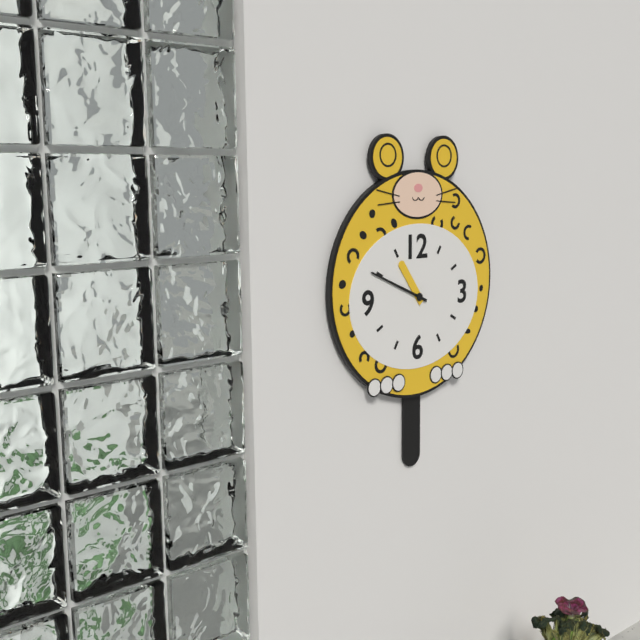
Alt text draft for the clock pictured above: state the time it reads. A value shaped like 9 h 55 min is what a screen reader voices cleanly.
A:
10 h 49 min
